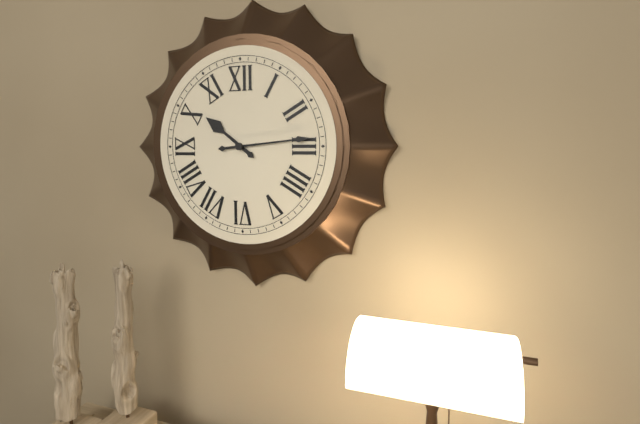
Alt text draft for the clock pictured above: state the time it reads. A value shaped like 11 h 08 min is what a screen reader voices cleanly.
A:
10 h 14 min
